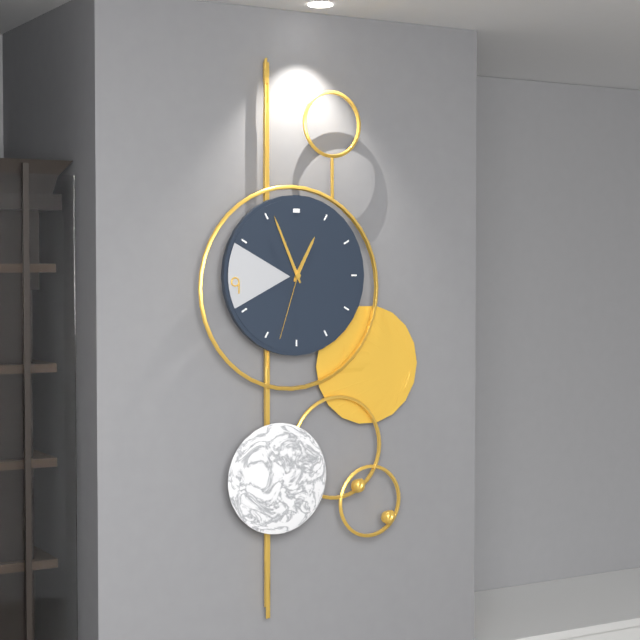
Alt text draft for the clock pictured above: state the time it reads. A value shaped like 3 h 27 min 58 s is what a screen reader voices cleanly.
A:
12 h 56 min 33 s
